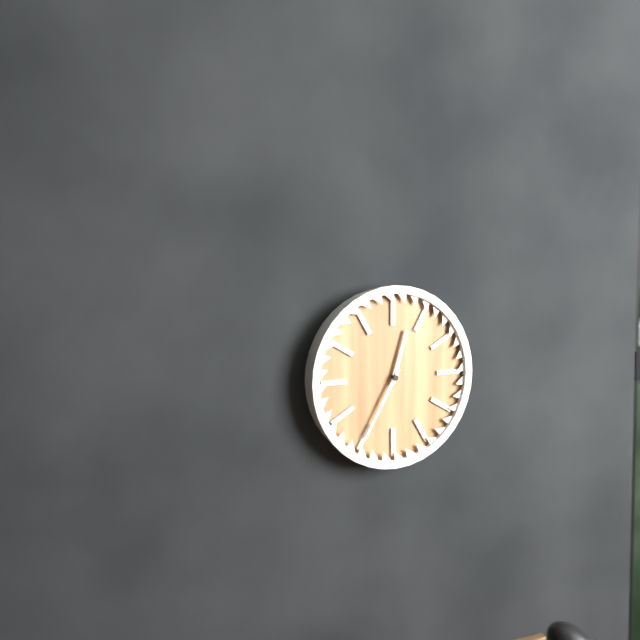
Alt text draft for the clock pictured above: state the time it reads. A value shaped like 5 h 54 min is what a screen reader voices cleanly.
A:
12 h 35 min
